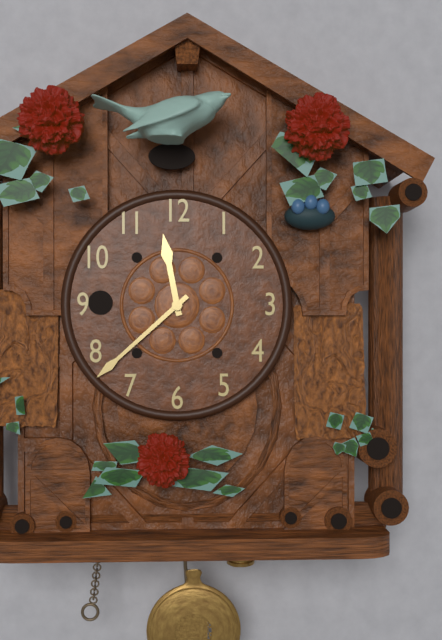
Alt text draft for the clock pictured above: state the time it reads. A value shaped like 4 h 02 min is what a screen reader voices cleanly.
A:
11 h 38 min
